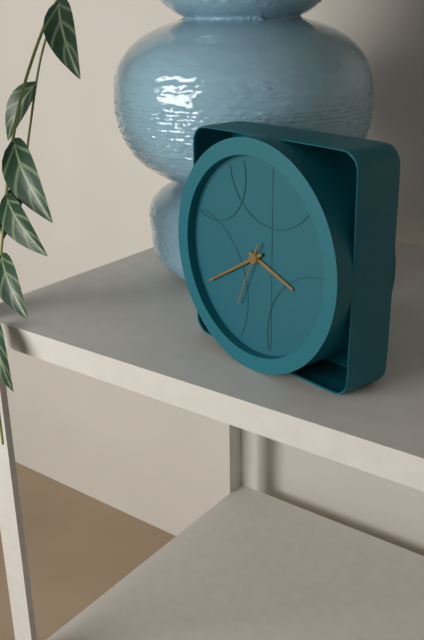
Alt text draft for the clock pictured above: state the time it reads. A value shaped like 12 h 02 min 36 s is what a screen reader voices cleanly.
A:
3 h 40 min 34 s
